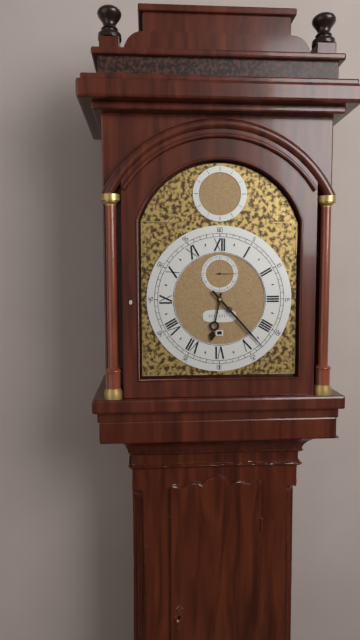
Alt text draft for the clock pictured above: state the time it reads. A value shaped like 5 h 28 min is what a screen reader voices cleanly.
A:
6 h 23 min
